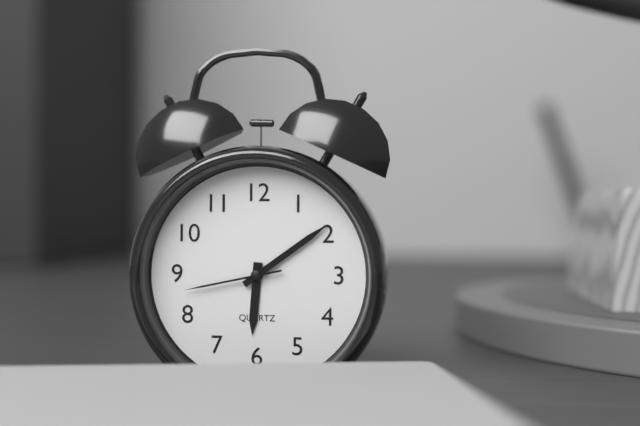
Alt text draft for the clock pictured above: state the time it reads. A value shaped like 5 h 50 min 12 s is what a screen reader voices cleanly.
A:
6 h 09 min 43 s
